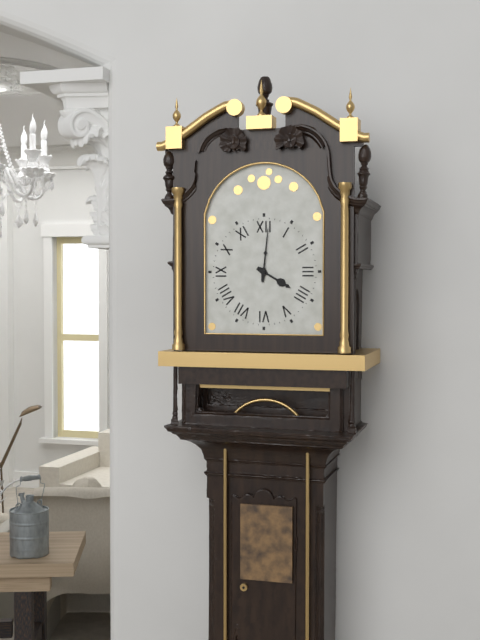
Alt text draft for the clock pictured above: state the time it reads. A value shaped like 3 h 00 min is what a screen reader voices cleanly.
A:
4 h 01 min
